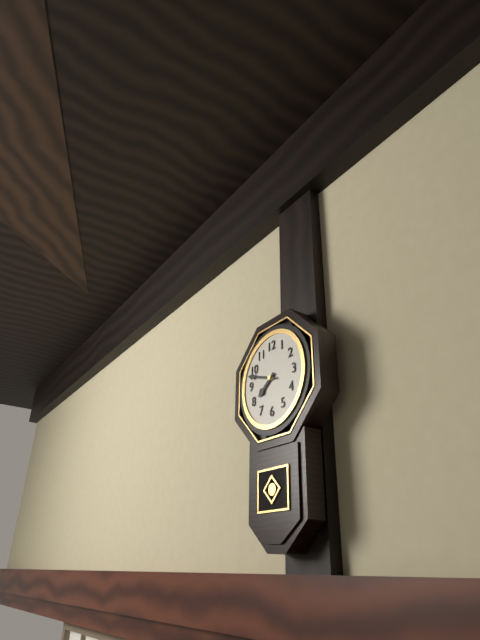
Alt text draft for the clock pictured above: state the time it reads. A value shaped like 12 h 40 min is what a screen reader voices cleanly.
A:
7 h 48 min
